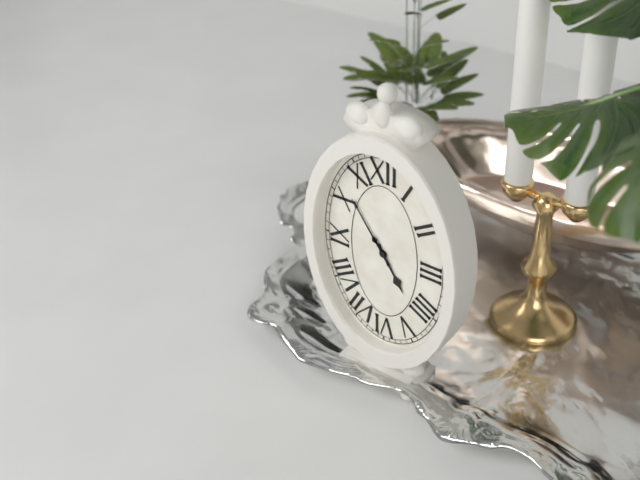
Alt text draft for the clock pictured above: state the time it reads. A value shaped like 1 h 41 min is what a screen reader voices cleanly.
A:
4 h 54 min
